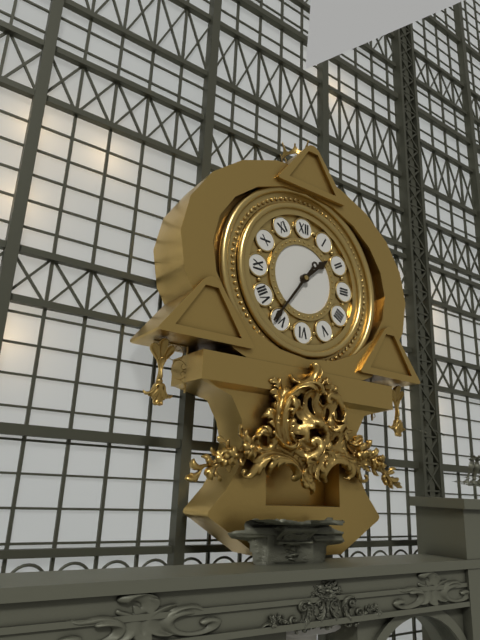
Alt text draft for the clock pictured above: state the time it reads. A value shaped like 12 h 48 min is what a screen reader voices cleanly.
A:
1 h 36 min
